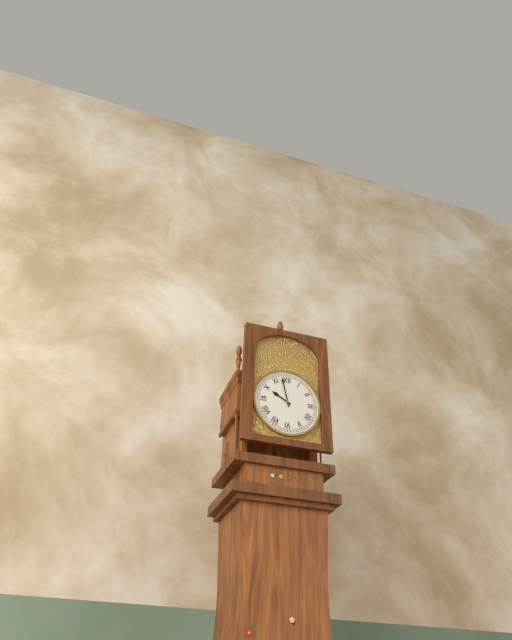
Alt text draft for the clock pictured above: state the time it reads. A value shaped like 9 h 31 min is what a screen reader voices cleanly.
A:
9 h 58 min
